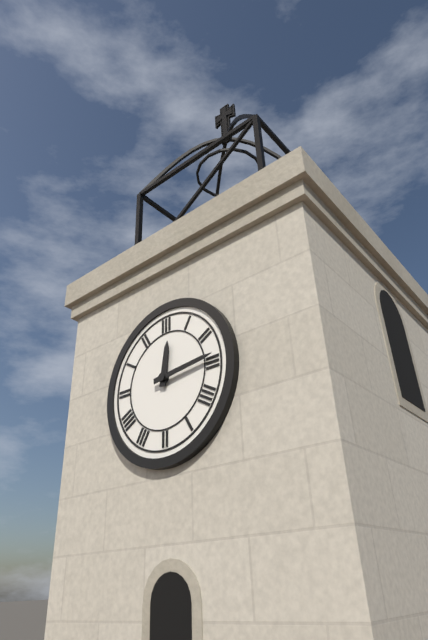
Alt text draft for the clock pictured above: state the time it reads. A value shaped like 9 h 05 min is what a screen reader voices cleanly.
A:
12 h 14 min
